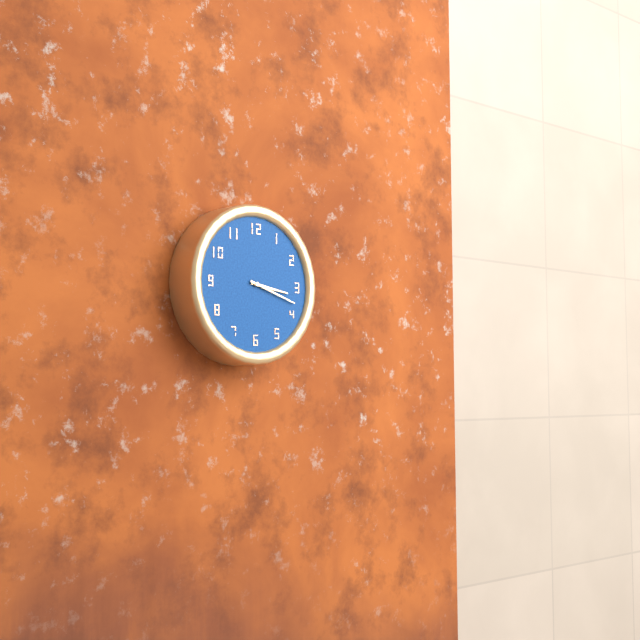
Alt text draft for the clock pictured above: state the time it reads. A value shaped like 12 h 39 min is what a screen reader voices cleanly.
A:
3 h 18 min
